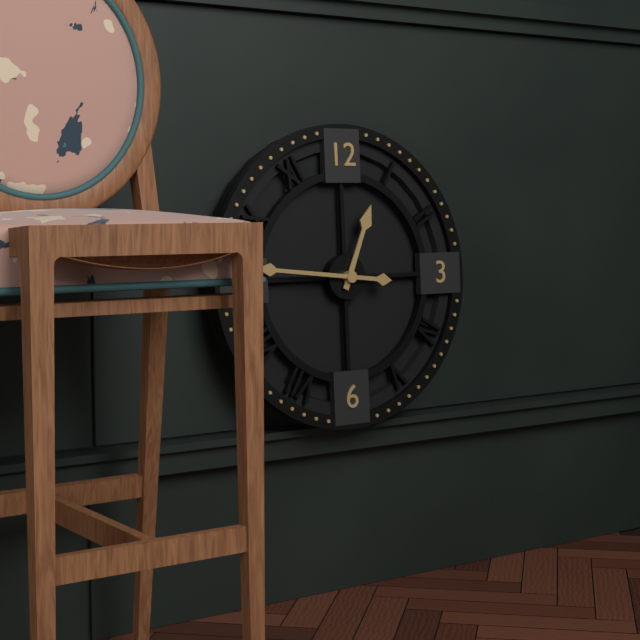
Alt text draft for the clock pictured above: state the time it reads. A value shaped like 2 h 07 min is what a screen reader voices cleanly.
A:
12 h 46 min
